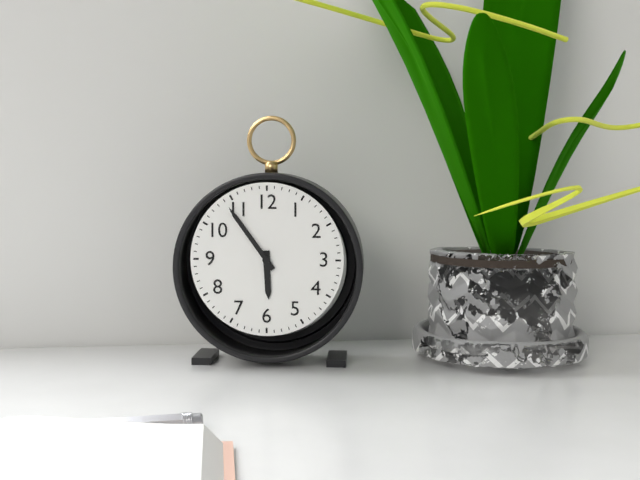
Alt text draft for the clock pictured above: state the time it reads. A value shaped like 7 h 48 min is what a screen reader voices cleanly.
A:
5 h 54 min
